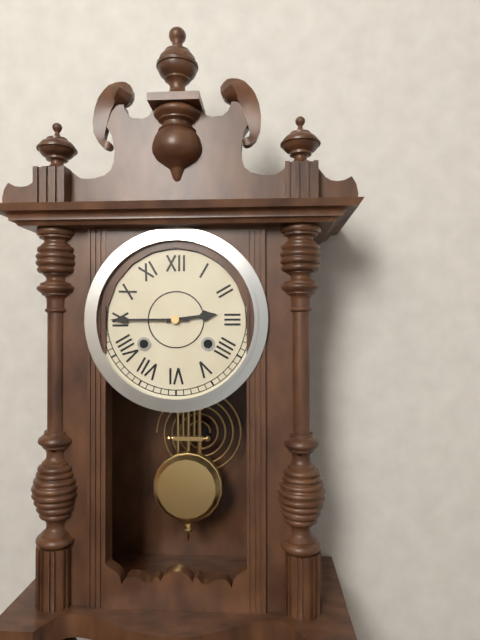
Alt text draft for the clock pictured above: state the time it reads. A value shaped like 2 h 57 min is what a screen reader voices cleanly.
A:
2 h 45 min
